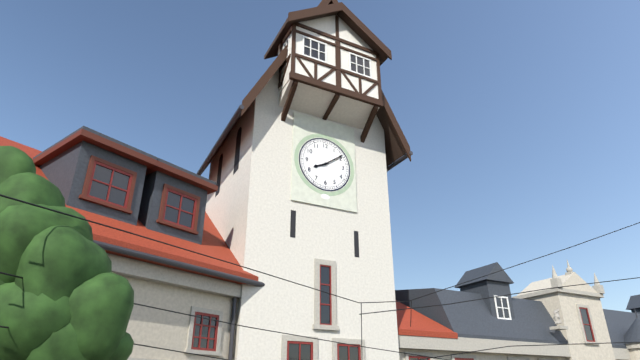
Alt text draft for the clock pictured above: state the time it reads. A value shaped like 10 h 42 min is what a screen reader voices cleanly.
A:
8 h 09 min
